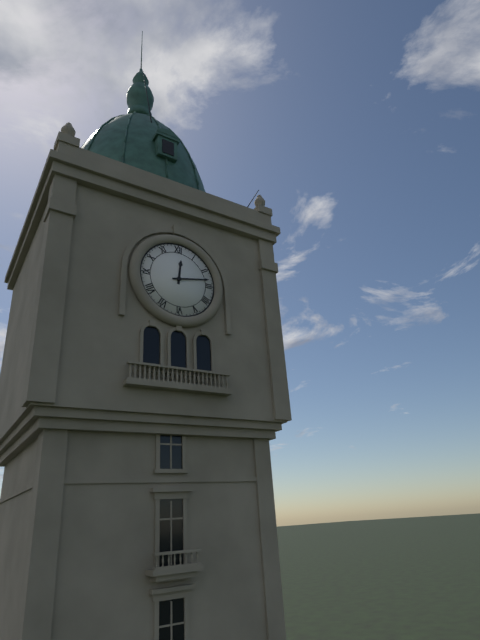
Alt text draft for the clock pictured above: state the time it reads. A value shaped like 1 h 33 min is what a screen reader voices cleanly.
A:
12 h 13 min
